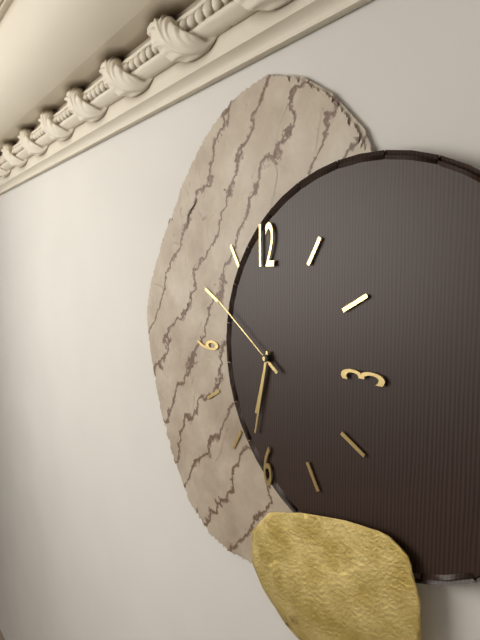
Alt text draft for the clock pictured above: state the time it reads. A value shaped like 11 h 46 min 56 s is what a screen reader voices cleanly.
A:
6 h 32 min 51 s
